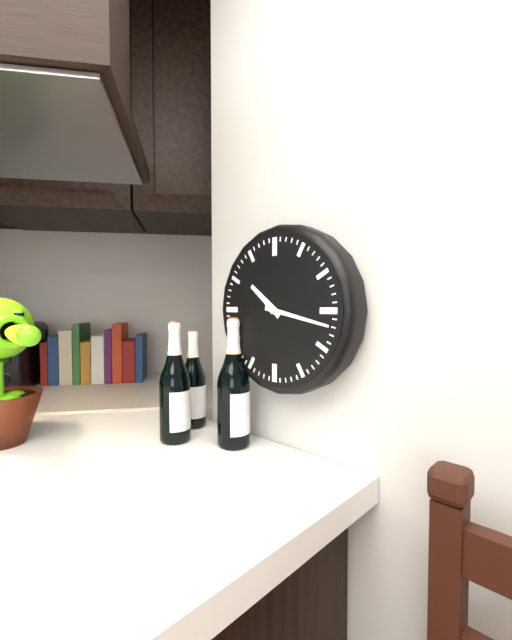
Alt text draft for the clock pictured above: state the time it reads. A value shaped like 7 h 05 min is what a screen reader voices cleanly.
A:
10 h 17 min
